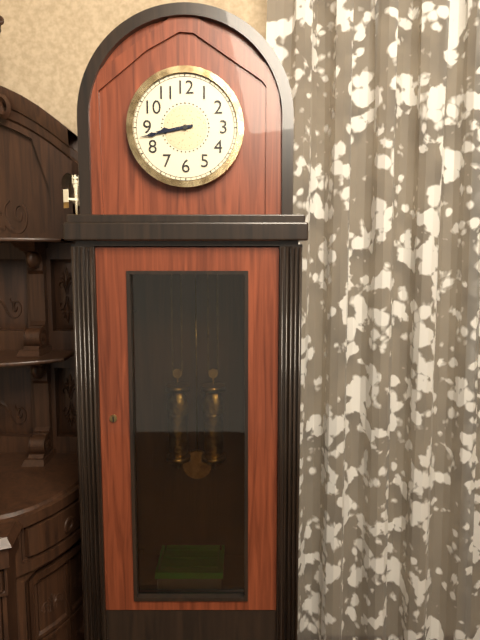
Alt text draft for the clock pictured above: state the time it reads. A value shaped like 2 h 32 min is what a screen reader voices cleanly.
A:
8 h 43 min
